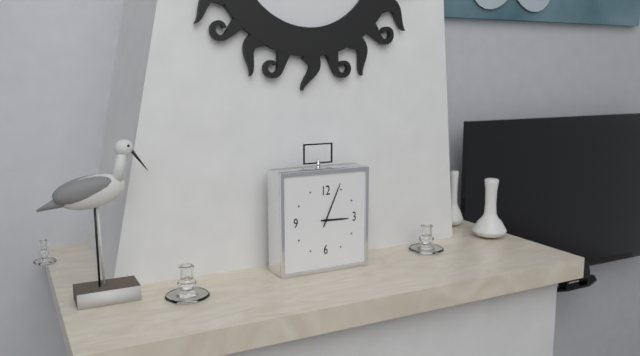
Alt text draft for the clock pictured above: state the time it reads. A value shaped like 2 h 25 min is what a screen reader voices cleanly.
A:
3 h 04 min
